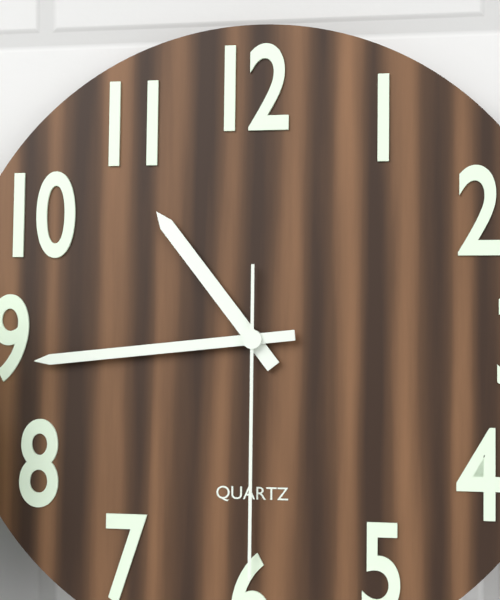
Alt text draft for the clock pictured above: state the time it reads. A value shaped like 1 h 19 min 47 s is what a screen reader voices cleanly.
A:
10 h 44 min 30 s
